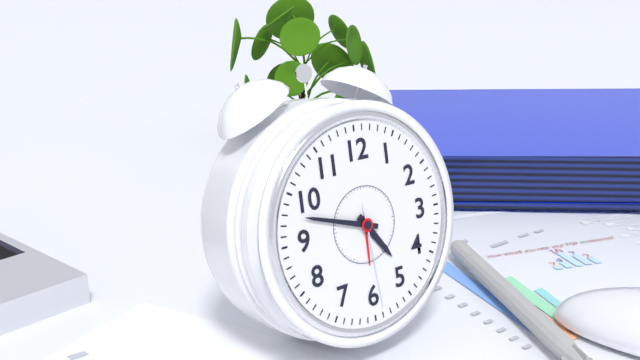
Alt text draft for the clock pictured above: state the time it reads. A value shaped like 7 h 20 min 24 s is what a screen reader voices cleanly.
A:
4 h 48 min 29 s
